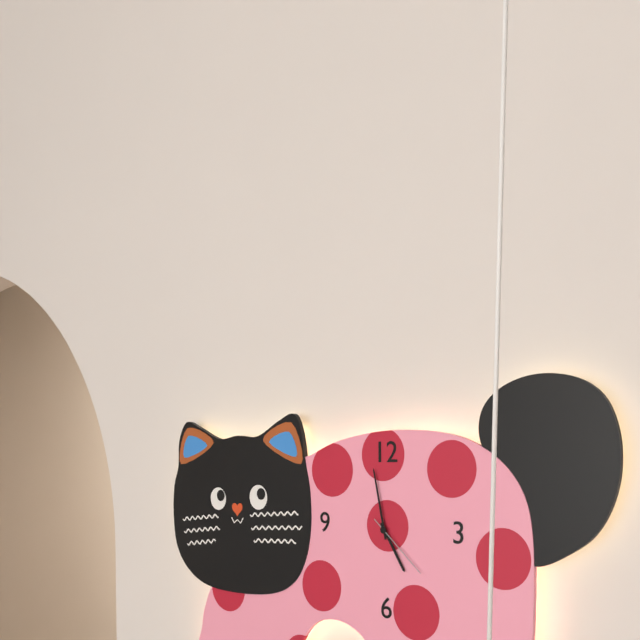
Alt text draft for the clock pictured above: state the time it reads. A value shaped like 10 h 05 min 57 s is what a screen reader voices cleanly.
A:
4 h 58 min 22 s
